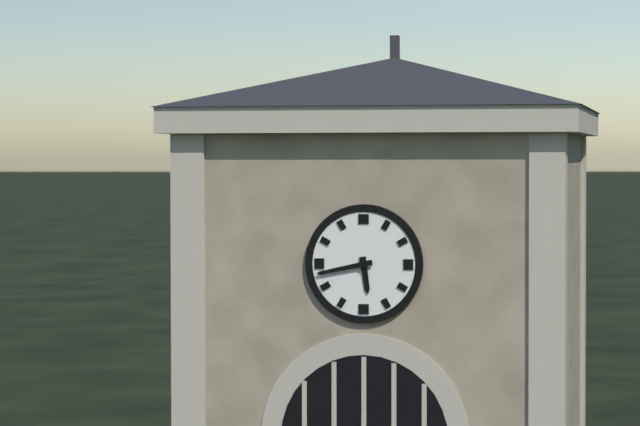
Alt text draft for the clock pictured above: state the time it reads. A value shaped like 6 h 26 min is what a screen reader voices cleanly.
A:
5 h 43 min
